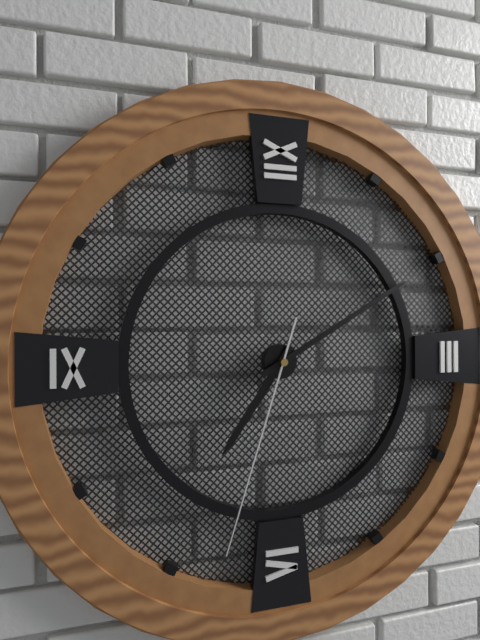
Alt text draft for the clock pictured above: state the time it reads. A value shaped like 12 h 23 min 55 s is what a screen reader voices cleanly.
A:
7 h 10 min 33 s
